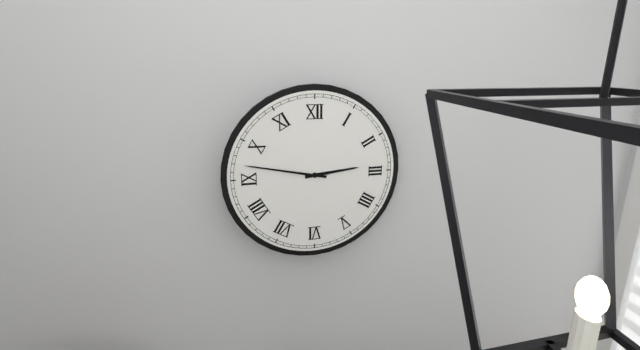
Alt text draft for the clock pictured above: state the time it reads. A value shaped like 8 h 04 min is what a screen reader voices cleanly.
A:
2 h 47 min
